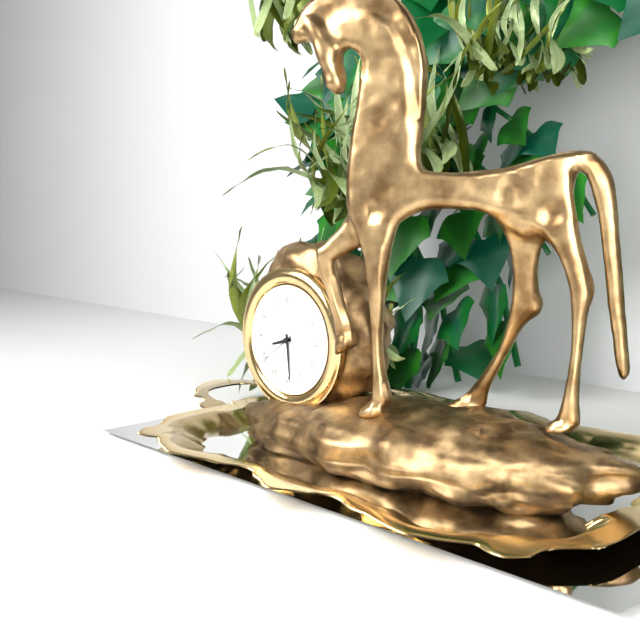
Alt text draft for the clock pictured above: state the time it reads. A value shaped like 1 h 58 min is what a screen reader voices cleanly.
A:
8 h 29 min
